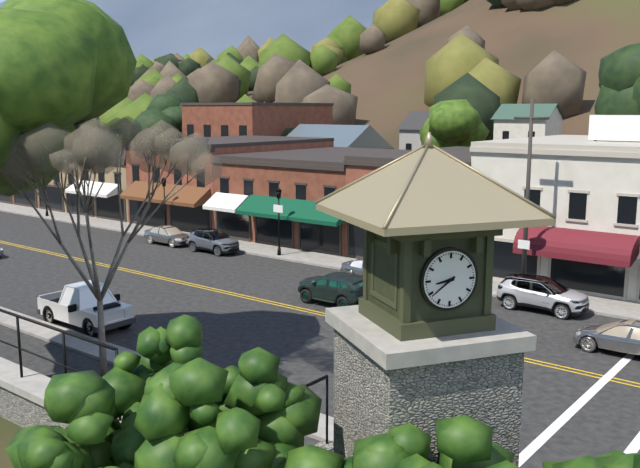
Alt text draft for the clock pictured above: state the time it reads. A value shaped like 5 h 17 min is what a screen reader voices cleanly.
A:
8 h 39 min
